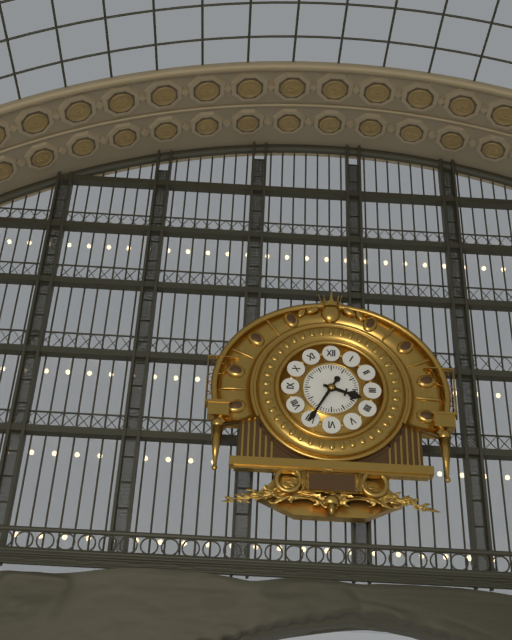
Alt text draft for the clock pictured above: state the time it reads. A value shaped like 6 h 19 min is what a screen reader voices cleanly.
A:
3 h 35 min
